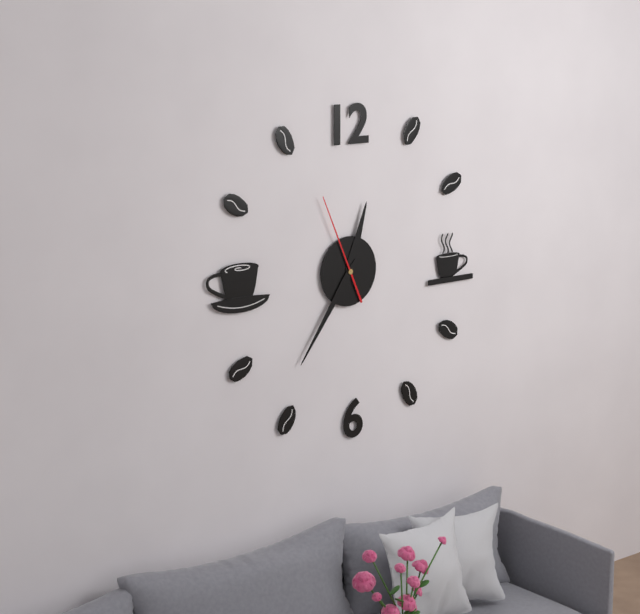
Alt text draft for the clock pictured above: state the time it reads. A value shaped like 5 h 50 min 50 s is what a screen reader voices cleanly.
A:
12 h 36 min 56 s
